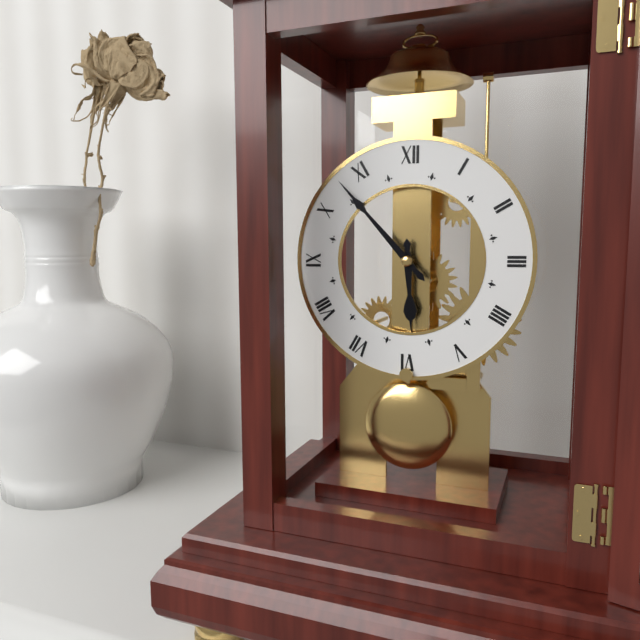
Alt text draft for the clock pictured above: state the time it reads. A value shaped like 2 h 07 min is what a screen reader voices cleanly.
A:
5 h 53 min
